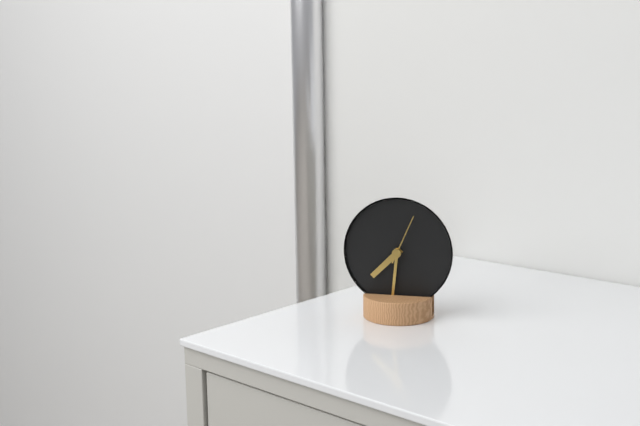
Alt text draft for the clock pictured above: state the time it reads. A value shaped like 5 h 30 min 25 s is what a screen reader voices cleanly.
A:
7 h 31 min 04 s
